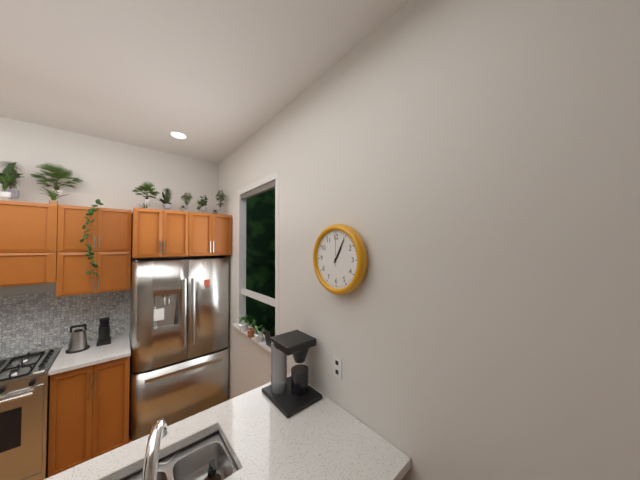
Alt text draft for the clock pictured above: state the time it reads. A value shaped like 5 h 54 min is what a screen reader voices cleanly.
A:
1 h 05 min
